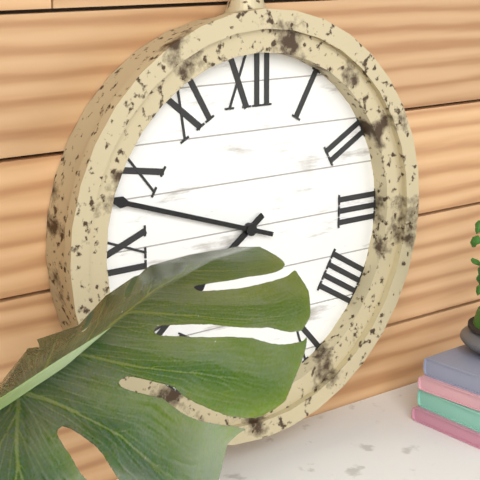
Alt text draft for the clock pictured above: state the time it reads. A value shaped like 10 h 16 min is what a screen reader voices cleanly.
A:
7 h 48 min
